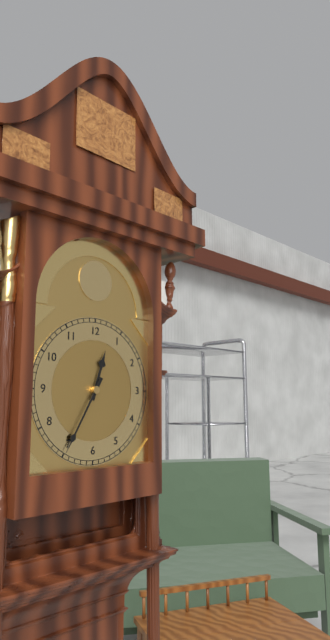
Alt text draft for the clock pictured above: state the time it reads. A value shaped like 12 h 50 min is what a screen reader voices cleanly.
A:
12 h 35 min
